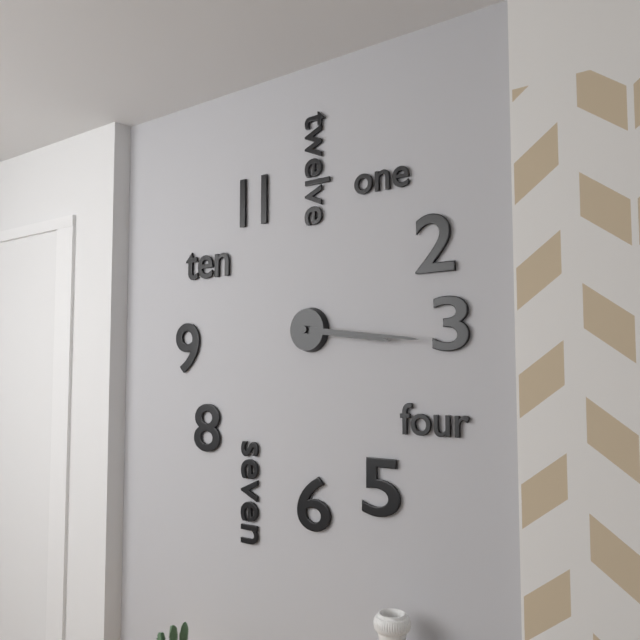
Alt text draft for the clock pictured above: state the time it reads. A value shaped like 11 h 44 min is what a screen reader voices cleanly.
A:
3 h 16 min
